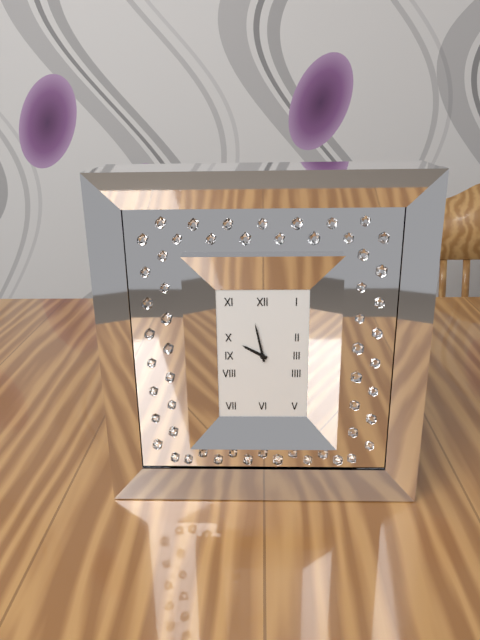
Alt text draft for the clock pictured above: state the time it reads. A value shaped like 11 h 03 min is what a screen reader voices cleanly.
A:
9 h 58 min
